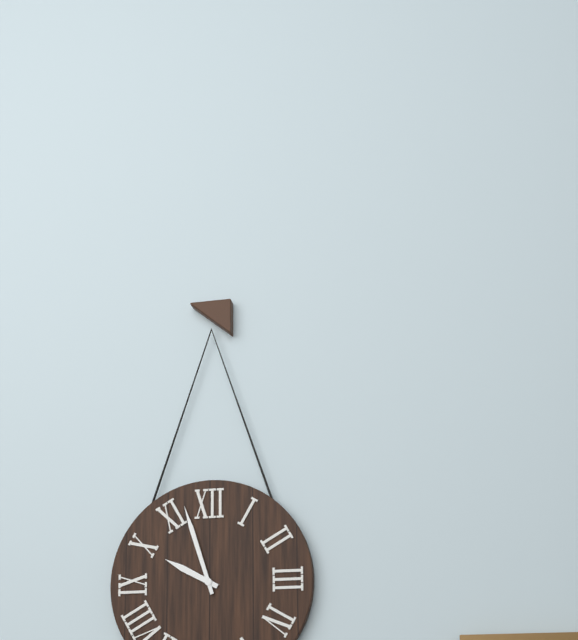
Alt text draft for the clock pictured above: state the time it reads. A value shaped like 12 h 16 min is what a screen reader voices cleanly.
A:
9 h 57 min
